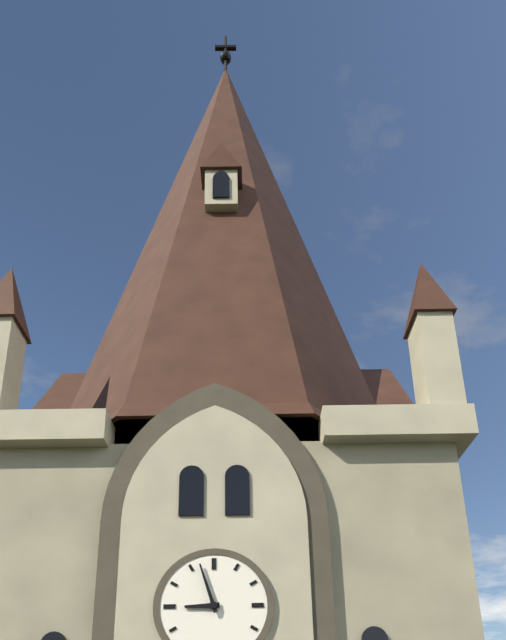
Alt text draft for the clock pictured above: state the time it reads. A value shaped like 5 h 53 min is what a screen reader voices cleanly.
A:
8 h 57 min
